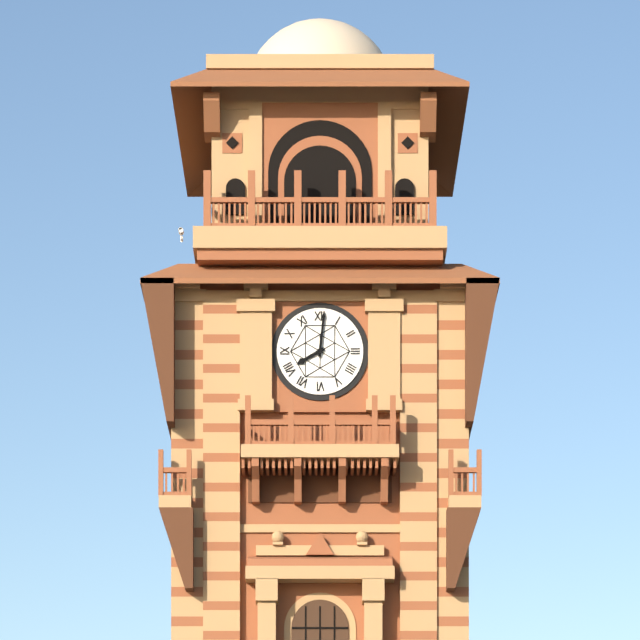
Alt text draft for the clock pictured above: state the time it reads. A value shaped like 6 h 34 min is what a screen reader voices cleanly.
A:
8 h 01 min
